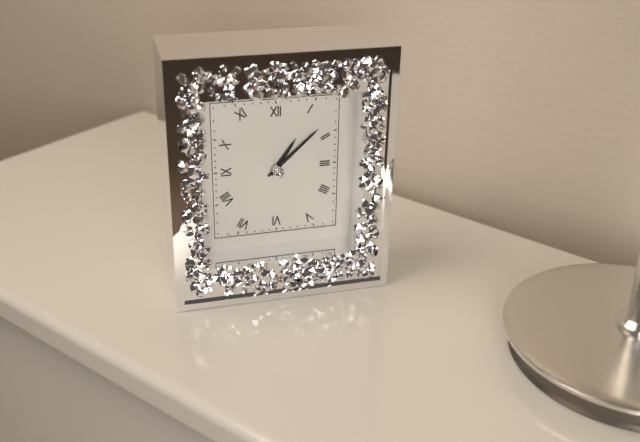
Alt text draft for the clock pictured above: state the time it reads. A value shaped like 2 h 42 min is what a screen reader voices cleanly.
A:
1 h 08 min
